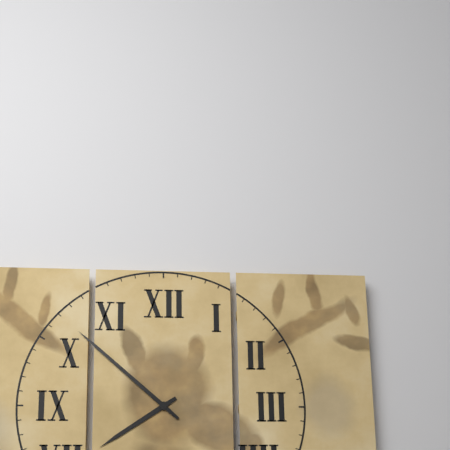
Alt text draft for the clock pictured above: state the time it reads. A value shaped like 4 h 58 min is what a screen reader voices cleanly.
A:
7 h 52 min
